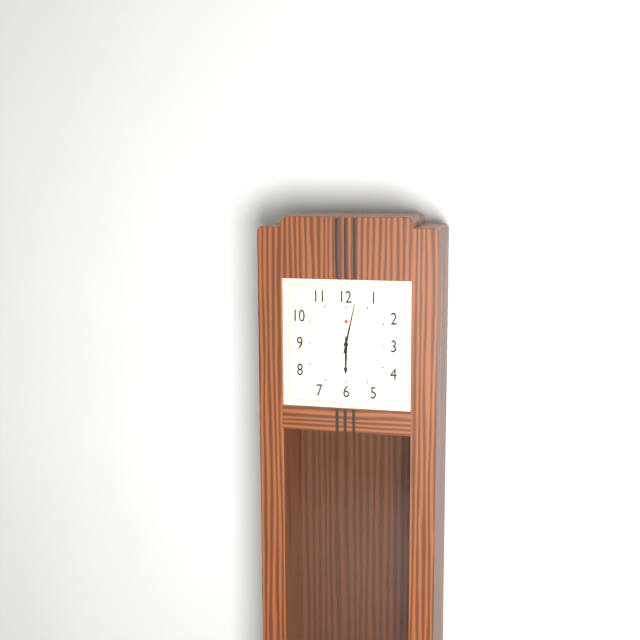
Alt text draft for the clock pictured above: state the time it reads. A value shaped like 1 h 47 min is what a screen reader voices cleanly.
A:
6 h 02 min
